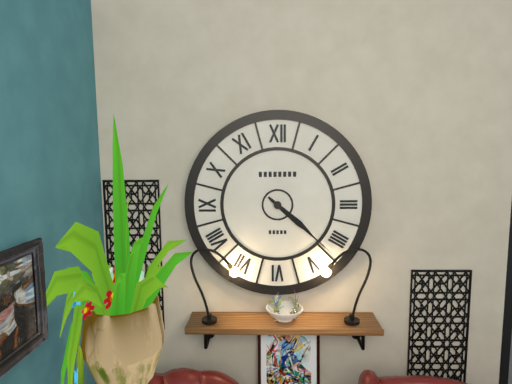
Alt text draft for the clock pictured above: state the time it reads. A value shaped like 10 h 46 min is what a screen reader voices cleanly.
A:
4 h 22 min
